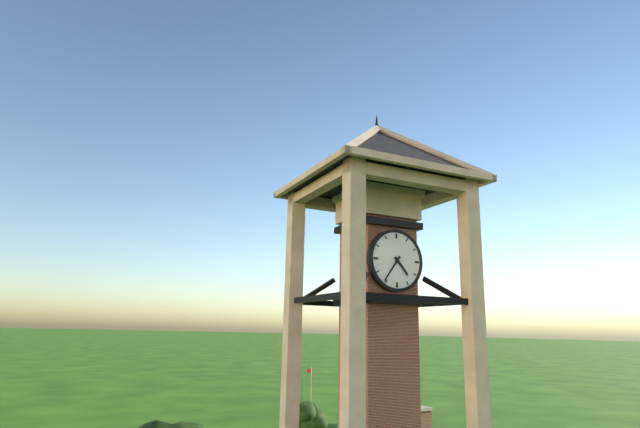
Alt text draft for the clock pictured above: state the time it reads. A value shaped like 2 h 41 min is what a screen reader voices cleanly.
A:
4 h 36 min
